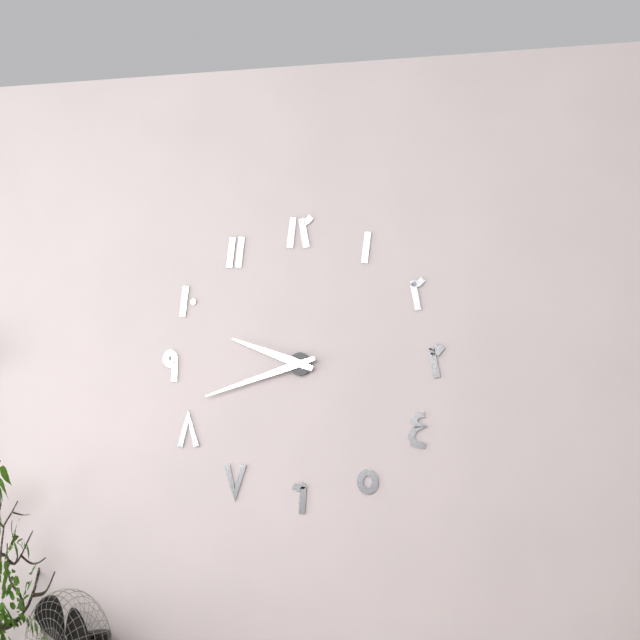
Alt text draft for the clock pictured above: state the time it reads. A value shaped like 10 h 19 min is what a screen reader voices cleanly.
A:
9 h 42 min
